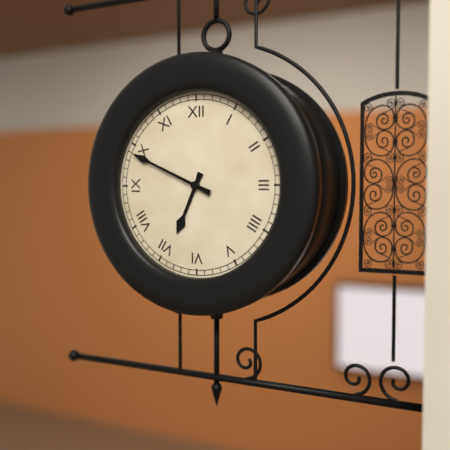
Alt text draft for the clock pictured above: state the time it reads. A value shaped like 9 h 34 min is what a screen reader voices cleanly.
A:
6 h 49 min
